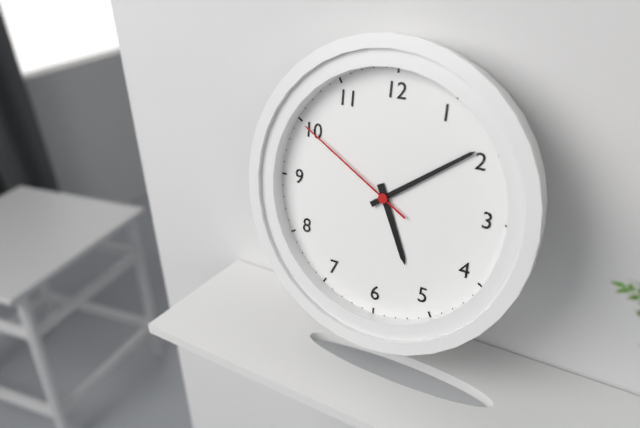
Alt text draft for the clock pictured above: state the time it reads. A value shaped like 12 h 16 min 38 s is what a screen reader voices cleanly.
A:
5 h 09 min 50 s
